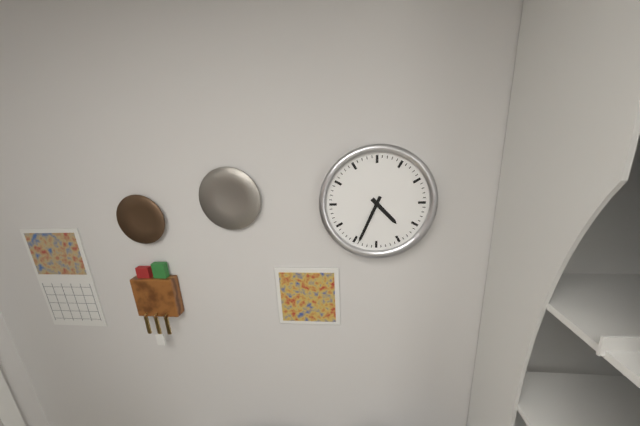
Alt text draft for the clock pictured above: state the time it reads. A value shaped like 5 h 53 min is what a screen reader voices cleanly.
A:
4 h 34 min
